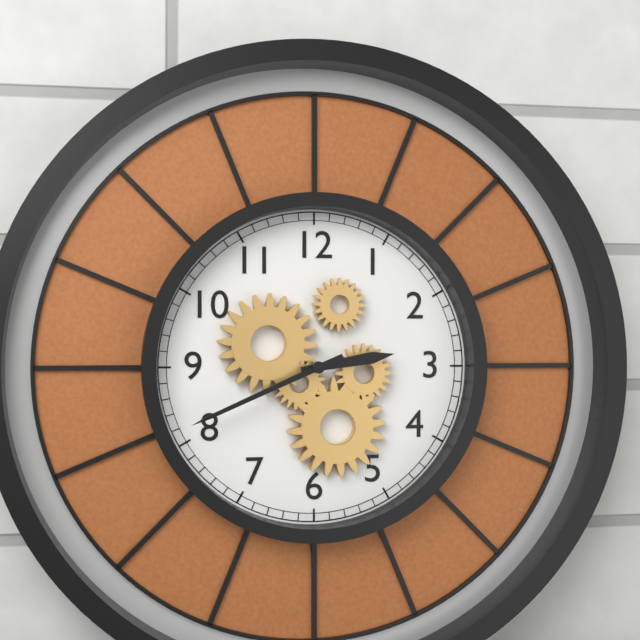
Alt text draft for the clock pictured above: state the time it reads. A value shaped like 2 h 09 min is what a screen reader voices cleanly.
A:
2 h 41 min
